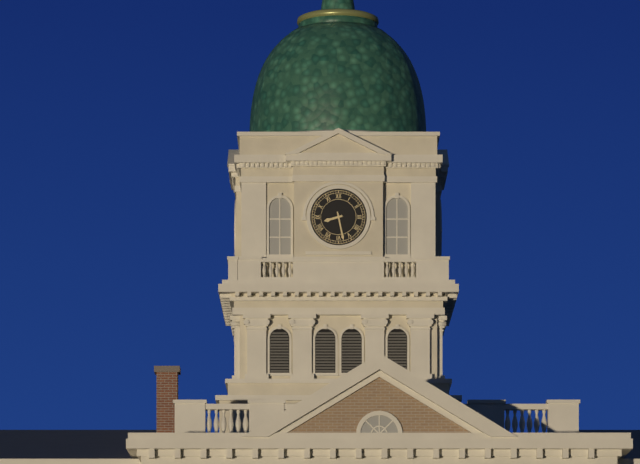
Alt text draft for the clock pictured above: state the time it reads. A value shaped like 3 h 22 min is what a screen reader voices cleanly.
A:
8 h 28 min
